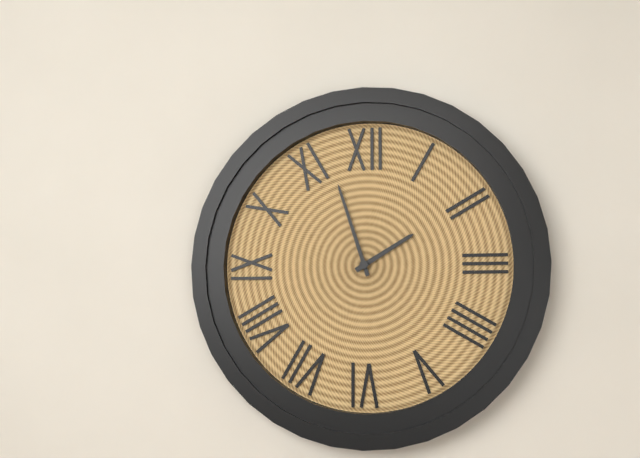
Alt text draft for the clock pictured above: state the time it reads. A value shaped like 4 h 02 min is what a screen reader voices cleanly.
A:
1 h 57 min
